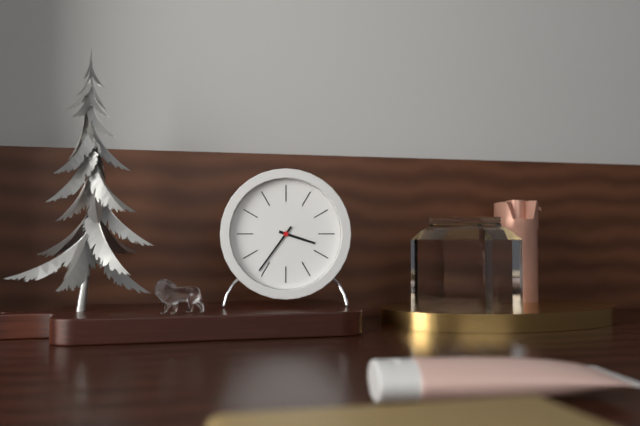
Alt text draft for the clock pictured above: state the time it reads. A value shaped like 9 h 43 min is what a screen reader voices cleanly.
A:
3 h 36 min
